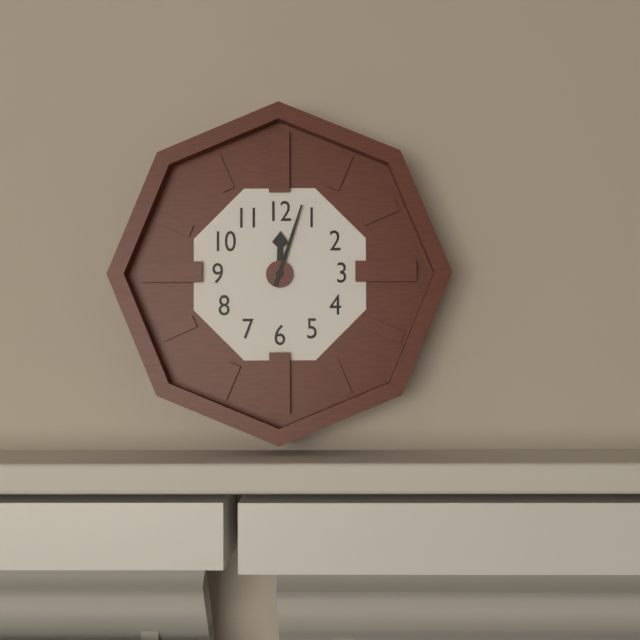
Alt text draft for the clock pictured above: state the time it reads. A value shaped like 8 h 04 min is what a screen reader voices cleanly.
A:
12 h 03 min
